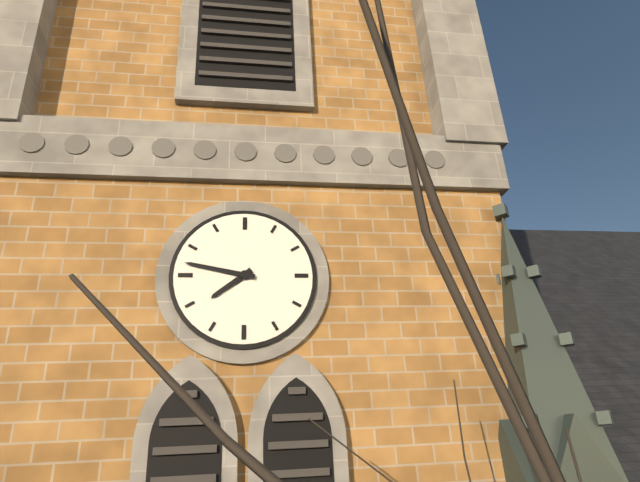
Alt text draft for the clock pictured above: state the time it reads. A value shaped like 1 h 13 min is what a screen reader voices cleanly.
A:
7 h 47 min
